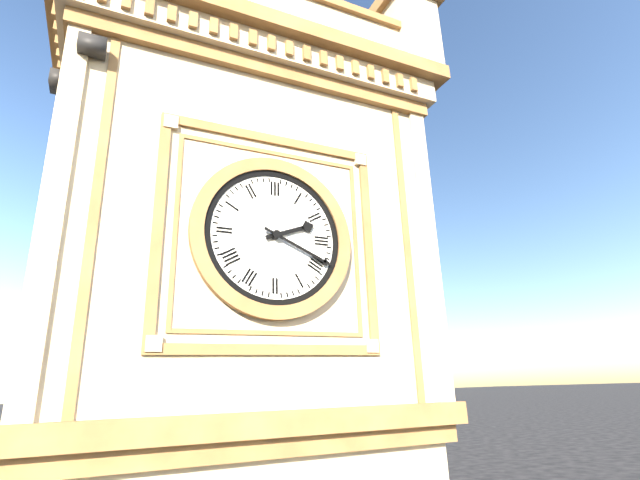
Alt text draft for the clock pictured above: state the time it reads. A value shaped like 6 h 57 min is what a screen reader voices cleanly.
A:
2 h 19 min
